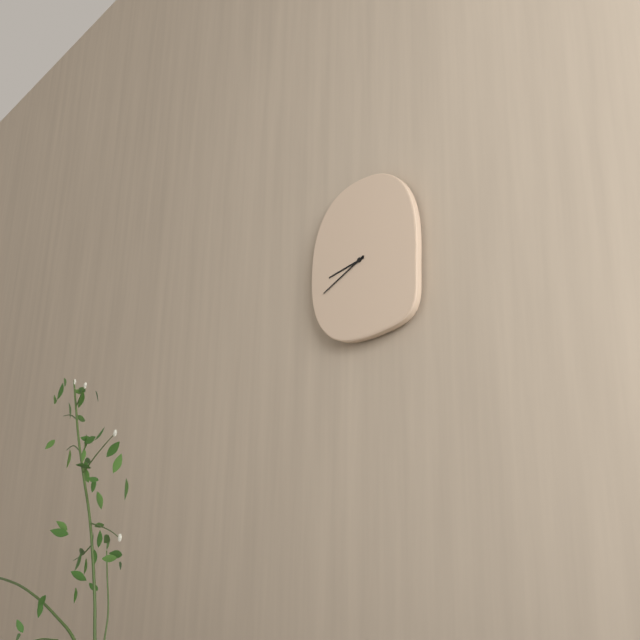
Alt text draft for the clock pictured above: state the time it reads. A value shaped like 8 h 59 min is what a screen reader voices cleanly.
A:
8 h 41 min
